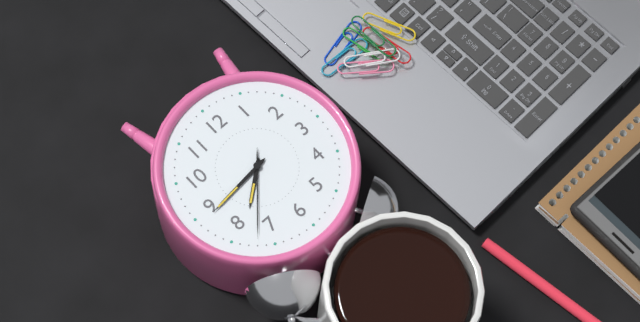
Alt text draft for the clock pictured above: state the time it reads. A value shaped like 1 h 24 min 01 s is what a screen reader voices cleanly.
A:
7 h 44 min 37 s
